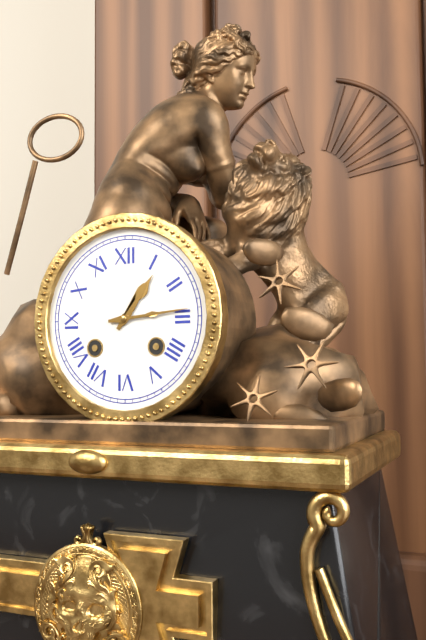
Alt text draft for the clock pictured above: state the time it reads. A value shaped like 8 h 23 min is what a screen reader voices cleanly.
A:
1 h 14 min
